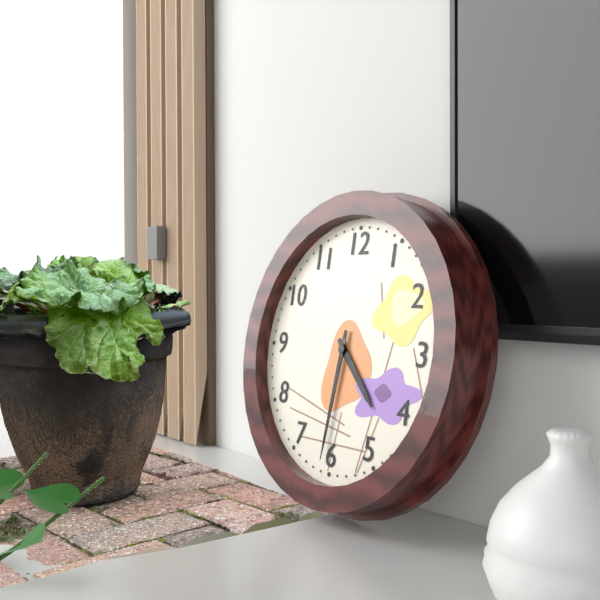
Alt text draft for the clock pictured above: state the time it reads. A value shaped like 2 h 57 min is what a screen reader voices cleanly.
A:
4 h 31 min
